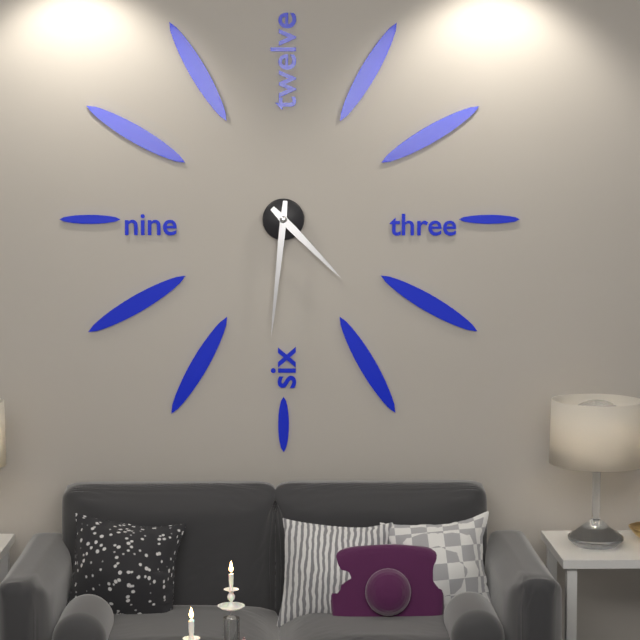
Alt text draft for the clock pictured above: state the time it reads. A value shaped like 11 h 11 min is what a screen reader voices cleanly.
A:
4 h 31 min
